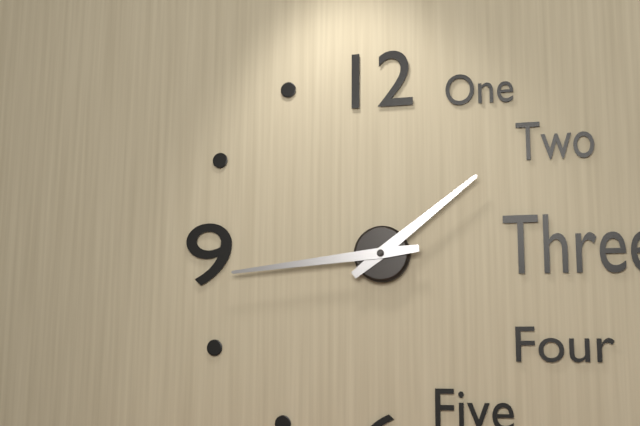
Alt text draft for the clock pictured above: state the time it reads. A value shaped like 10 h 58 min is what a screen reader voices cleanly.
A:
1 h 44 min
